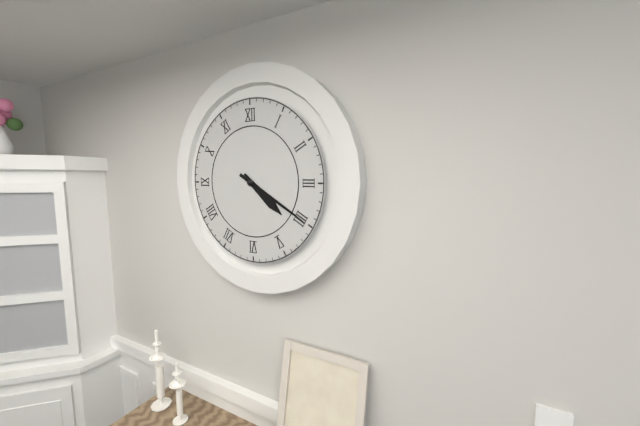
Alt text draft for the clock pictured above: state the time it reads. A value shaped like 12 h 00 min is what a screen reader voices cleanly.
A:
4 h 20 min
